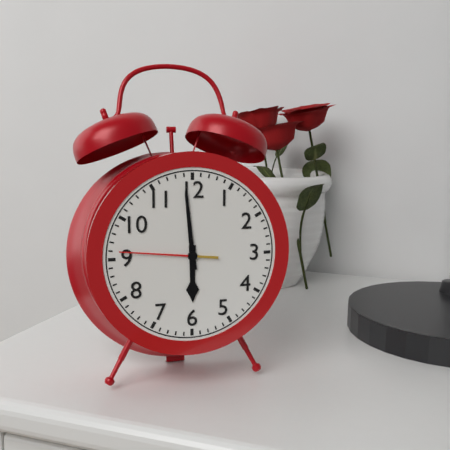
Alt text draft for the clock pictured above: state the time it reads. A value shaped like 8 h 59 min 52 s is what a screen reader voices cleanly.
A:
5 h 59 min 46 s
